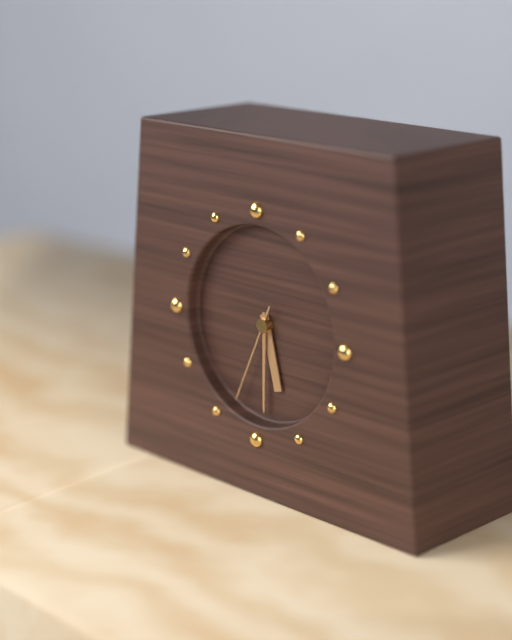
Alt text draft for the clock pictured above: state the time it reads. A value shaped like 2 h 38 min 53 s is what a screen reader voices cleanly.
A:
5 h 30 min 34 s
